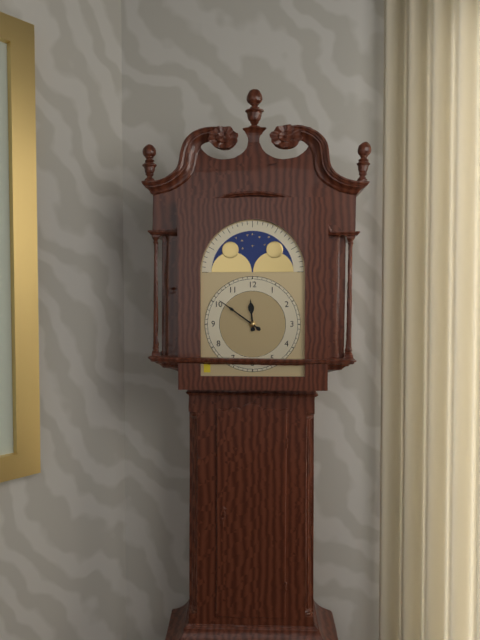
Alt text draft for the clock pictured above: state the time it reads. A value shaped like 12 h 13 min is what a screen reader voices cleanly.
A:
11 h 51 min
